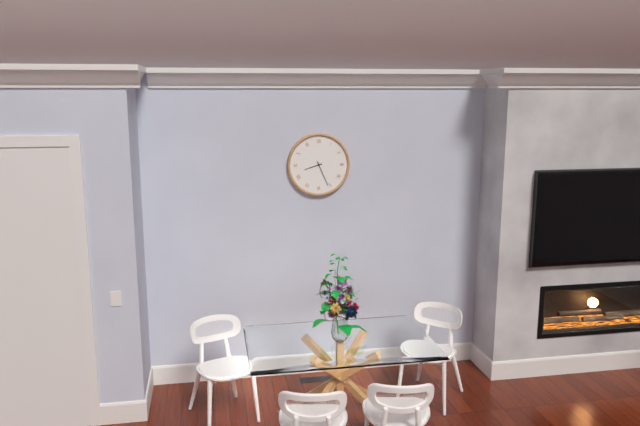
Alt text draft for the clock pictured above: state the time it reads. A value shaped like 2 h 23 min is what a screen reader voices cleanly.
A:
8 h 26 min
